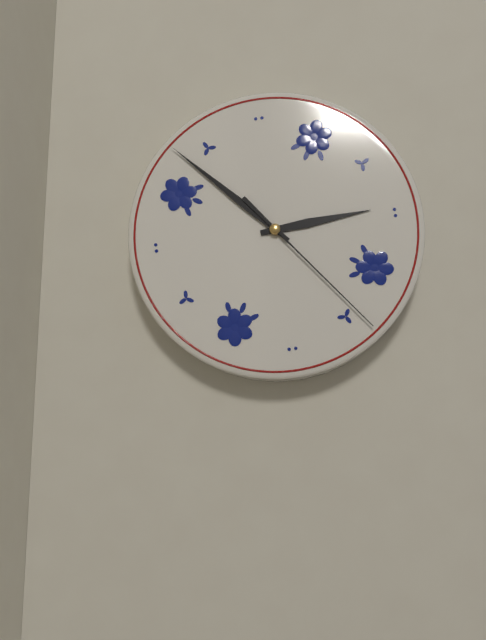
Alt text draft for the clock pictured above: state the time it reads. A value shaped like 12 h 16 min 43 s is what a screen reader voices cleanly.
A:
2 h 53 min 24 s
